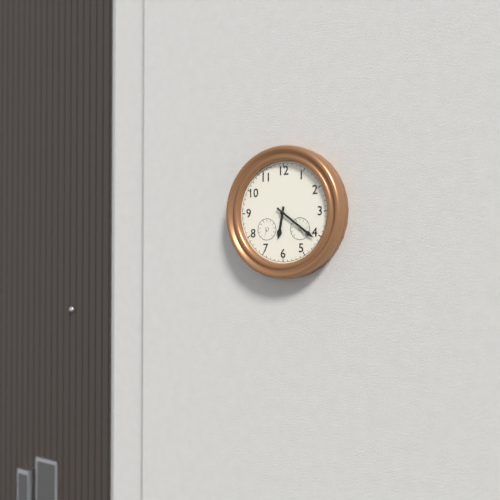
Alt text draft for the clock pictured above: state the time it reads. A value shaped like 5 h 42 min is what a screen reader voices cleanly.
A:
6 h 21 min
